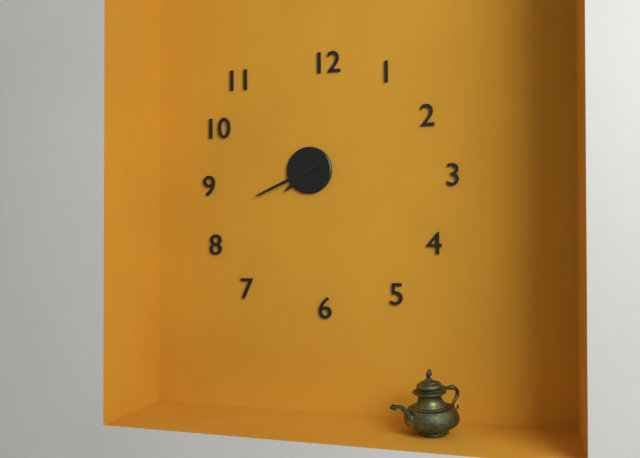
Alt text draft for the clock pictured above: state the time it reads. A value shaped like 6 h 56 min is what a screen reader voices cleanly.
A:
7 h 41 min
